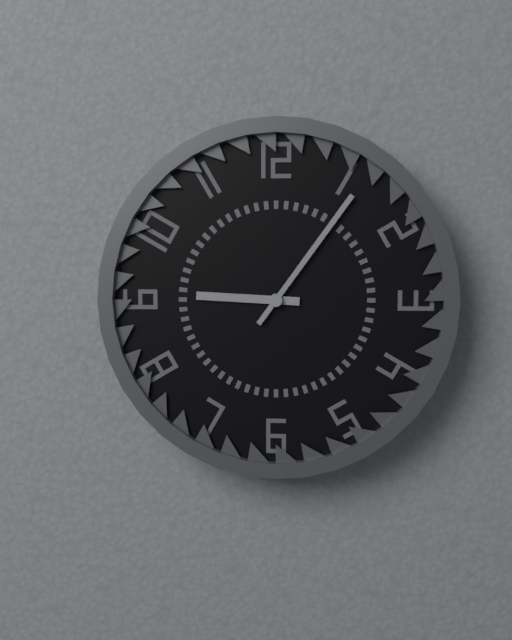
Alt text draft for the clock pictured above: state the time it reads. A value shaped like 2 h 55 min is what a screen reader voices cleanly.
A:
9 h 06 min
